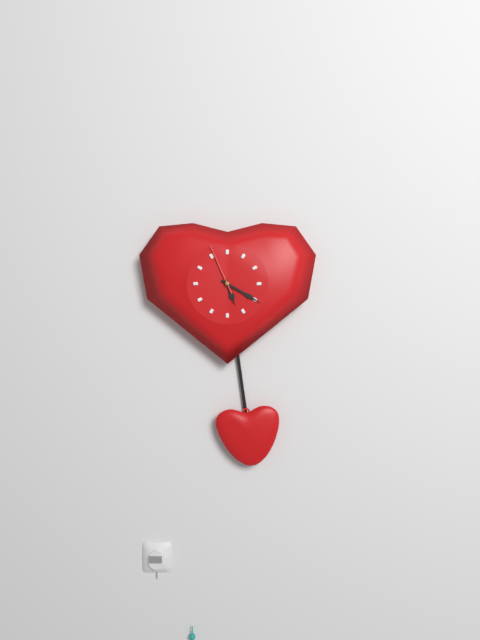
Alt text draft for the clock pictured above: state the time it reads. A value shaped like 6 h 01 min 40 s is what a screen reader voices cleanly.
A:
5 h 20 min 56 s
